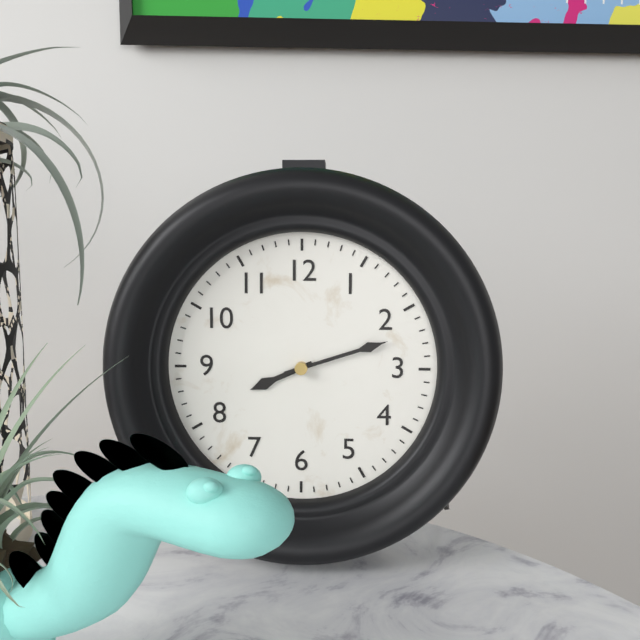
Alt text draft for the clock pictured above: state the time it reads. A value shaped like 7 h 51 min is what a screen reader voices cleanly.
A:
8 h 12 min
